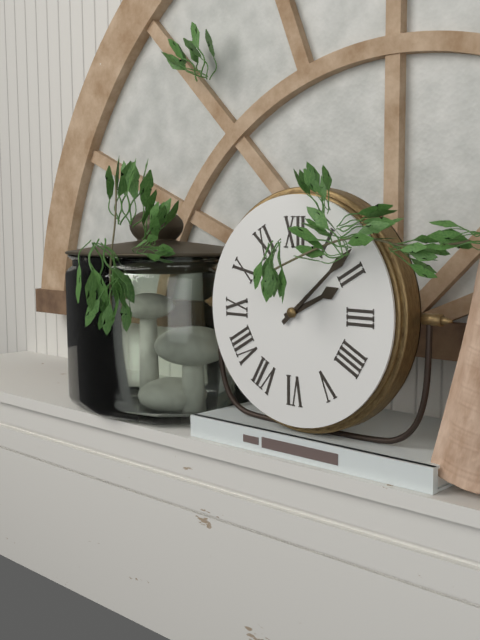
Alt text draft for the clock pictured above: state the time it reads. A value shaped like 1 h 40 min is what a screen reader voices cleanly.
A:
2 h 08 min
